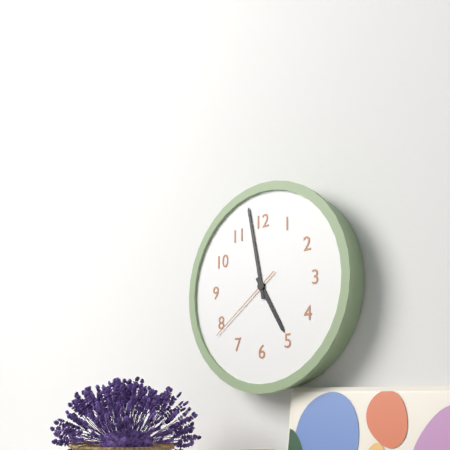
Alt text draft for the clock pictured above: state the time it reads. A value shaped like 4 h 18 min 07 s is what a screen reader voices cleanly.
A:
4 h 58 min 39 s
